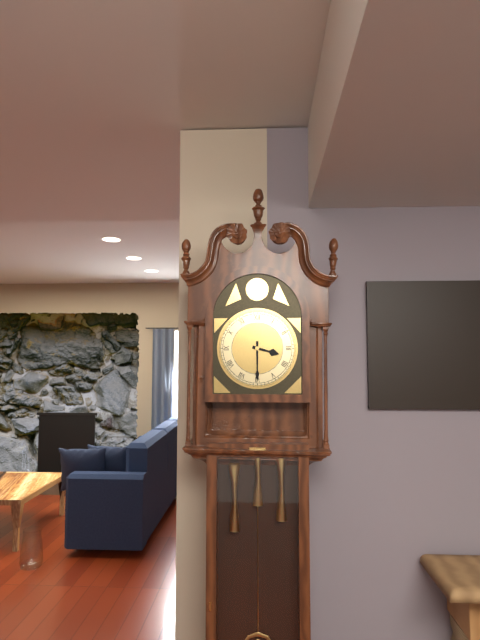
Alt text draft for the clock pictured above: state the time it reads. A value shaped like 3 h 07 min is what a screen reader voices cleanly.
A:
3 h 30 min
